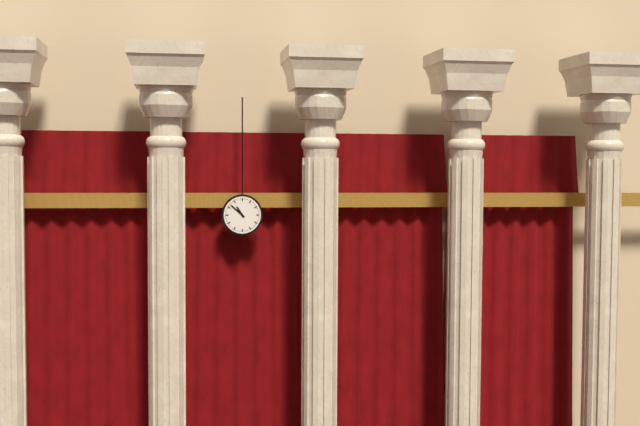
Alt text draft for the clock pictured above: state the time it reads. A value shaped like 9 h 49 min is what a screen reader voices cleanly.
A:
10 h 52 min
